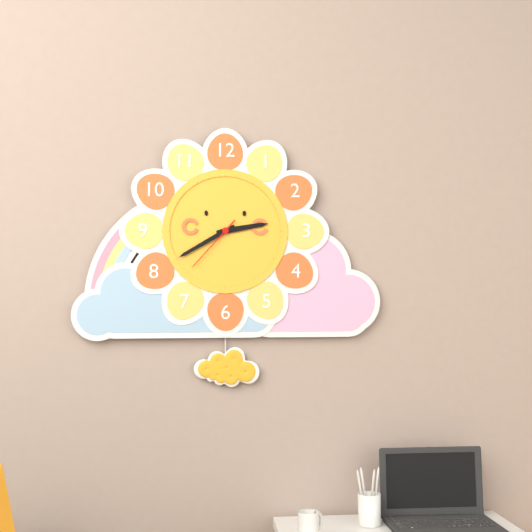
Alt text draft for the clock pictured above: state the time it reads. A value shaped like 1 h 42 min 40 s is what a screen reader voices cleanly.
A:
2 h 40 min 37 s
